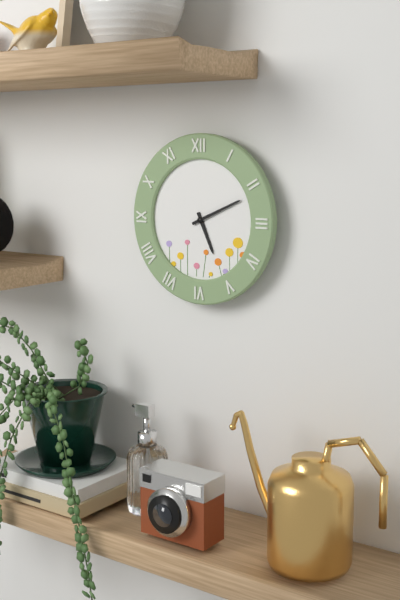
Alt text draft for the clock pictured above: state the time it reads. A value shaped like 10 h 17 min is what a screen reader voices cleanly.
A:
5 h 11 min
